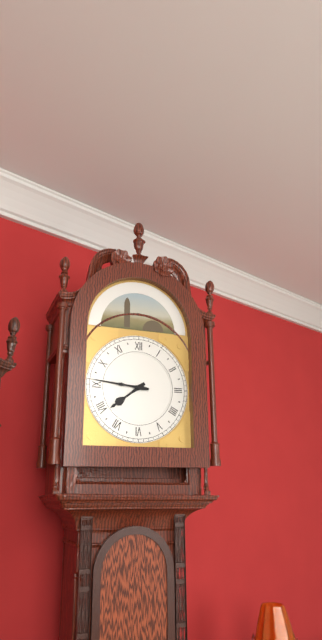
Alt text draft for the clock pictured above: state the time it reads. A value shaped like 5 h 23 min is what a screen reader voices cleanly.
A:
7 h 46 min
